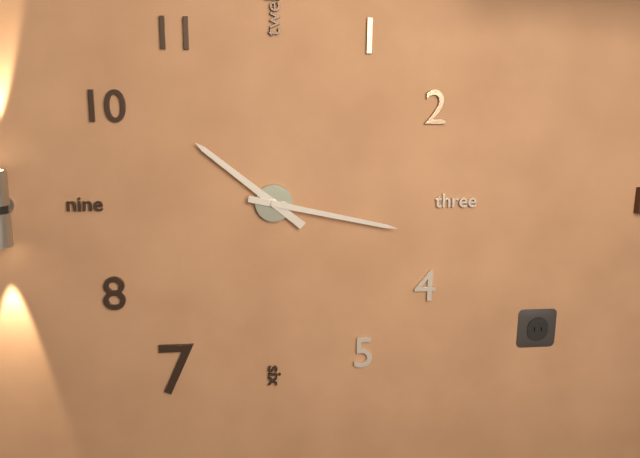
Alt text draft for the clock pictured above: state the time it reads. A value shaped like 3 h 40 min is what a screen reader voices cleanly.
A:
10 h 17 min
